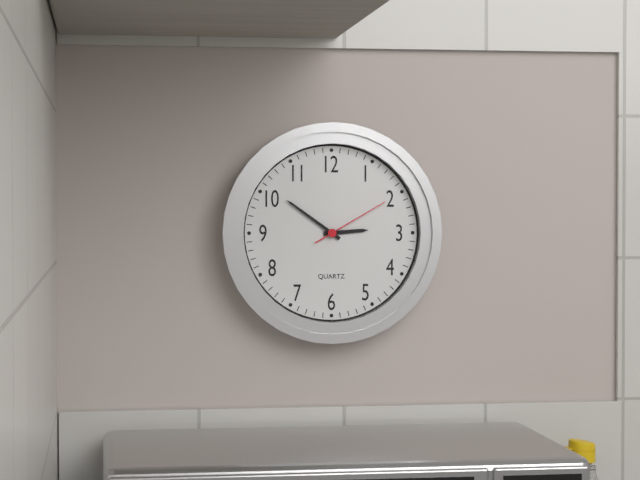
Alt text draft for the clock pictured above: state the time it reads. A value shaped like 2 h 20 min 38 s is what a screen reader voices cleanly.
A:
2 h 51 min 10 s
